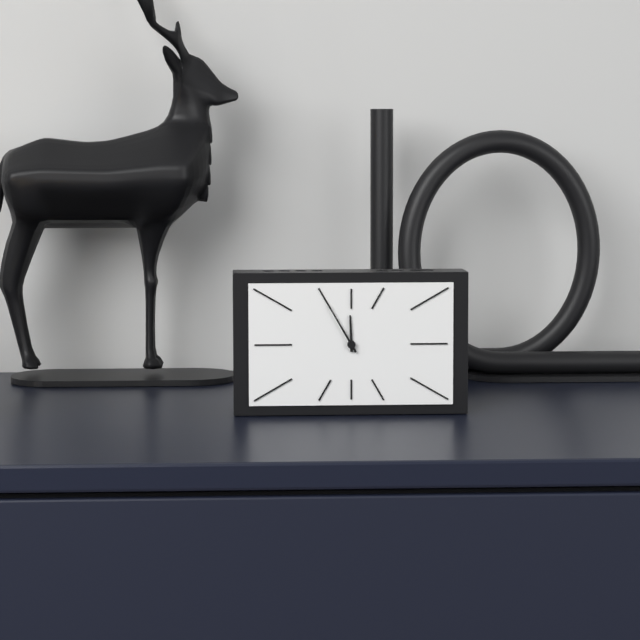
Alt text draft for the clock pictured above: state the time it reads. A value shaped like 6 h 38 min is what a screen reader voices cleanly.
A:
11 h 55 min
